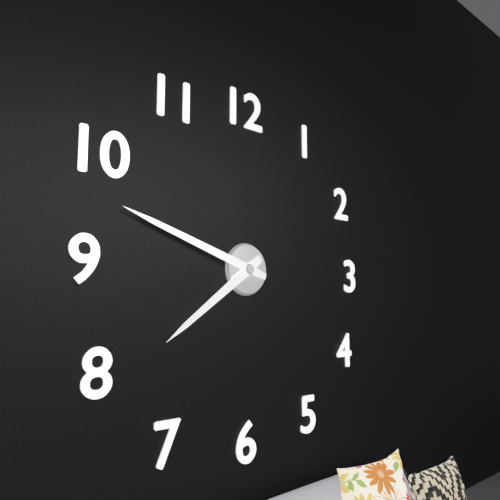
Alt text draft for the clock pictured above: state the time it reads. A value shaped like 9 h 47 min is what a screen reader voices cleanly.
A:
7 h 48 min
